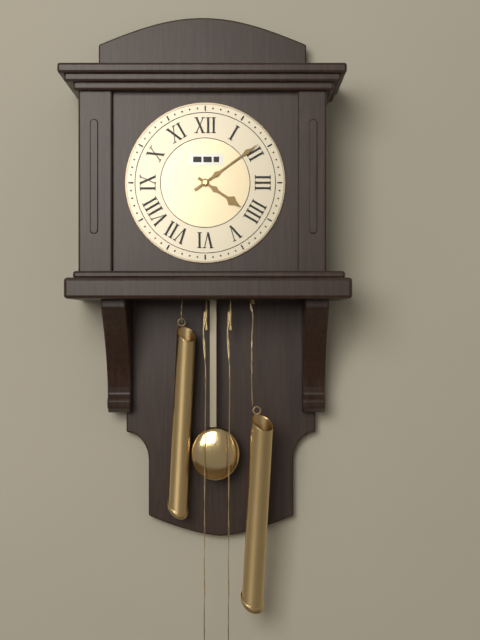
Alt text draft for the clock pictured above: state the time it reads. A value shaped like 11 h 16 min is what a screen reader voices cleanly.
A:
4 h 09 min
